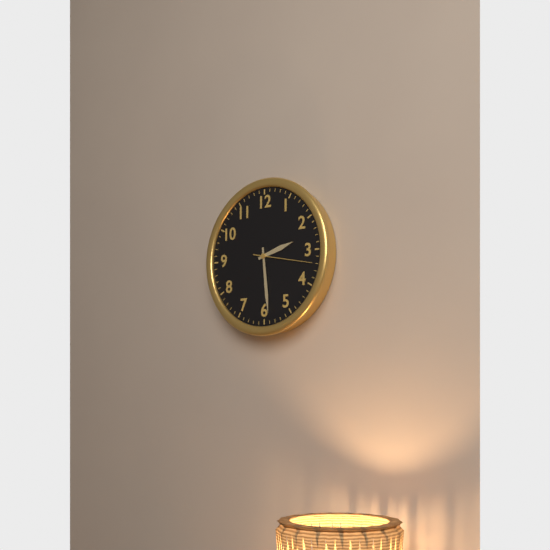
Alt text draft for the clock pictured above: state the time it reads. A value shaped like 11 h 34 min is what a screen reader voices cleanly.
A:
2 h 29 min
